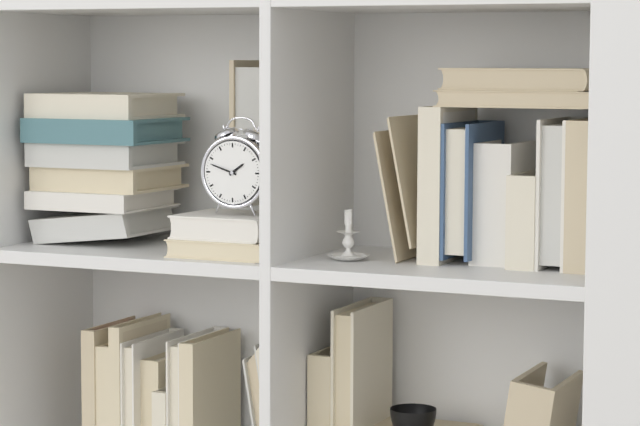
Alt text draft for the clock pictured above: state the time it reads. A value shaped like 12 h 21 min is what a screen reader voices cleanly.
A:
1 h 48 min
